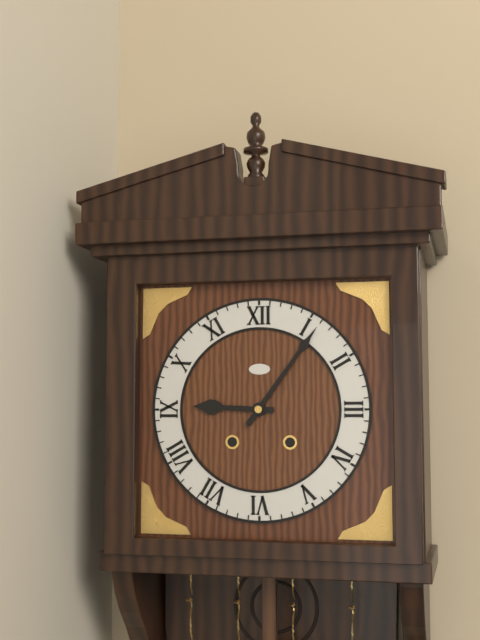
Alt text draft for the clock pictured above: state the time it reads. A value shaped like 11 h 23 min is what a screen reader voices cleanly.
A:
9 h 06 min
